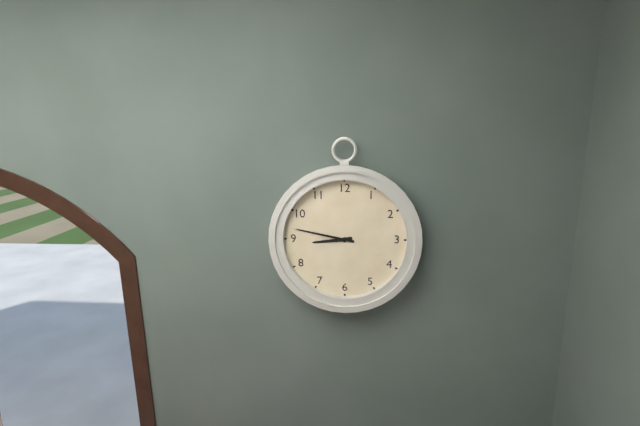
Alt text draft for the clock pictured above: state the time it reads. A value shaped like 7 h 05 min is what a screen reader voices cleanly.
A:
8 h 47 min
